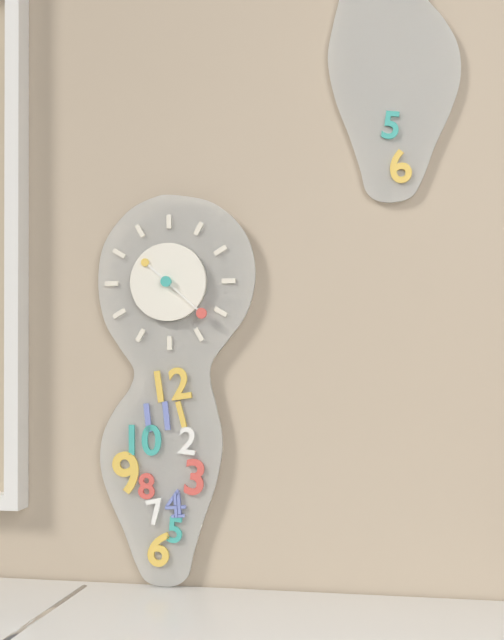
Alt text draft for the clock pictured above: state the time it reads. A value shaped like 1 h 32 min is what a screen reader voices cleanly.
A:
10 h 22 min
